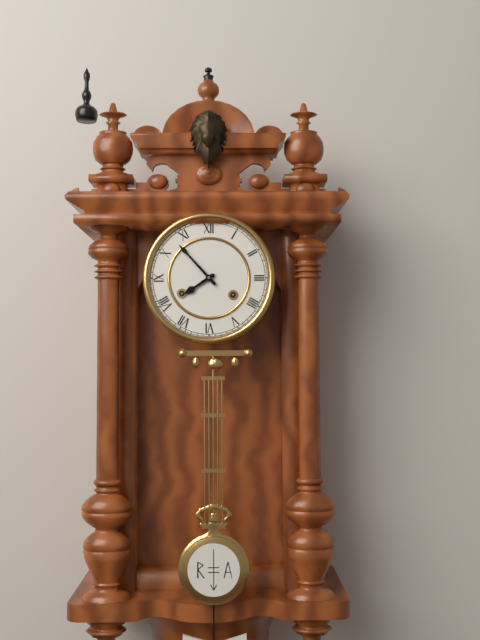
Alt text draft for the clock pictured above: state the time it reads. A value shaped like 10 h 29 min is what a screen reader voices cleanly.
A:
7 h 53 min
